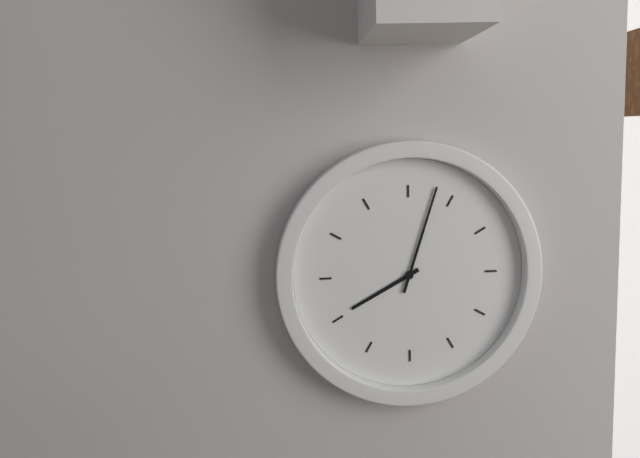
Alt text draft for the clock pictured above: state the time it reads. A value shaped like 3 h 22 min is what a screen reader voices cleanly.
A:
8 h 03 min
